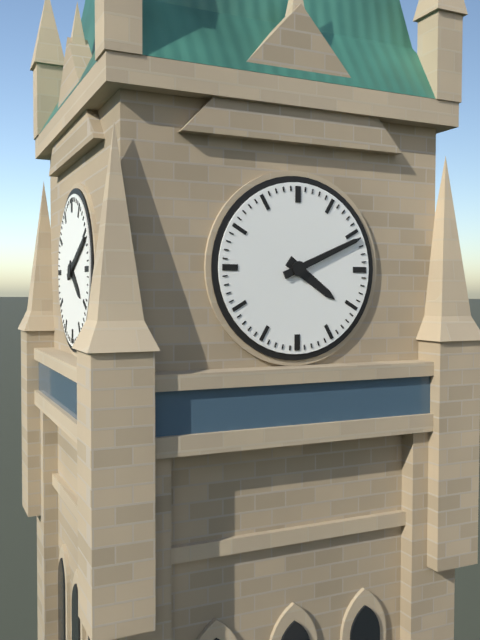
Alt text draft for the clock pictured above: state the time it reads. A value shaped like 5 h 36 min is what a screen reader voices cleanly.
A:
4 h 11 min
